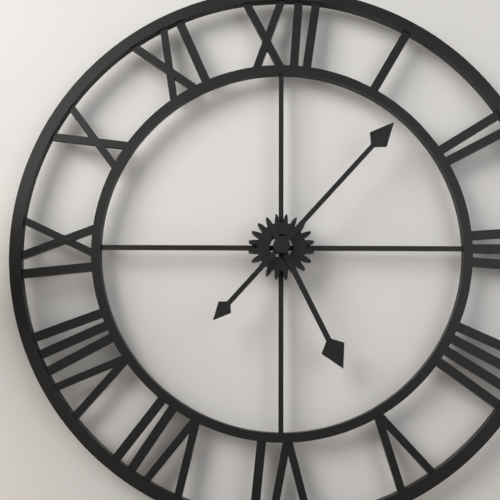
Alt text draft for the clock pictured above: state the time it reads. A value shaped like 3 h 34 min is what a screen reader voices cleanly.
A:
5 h 07 min
